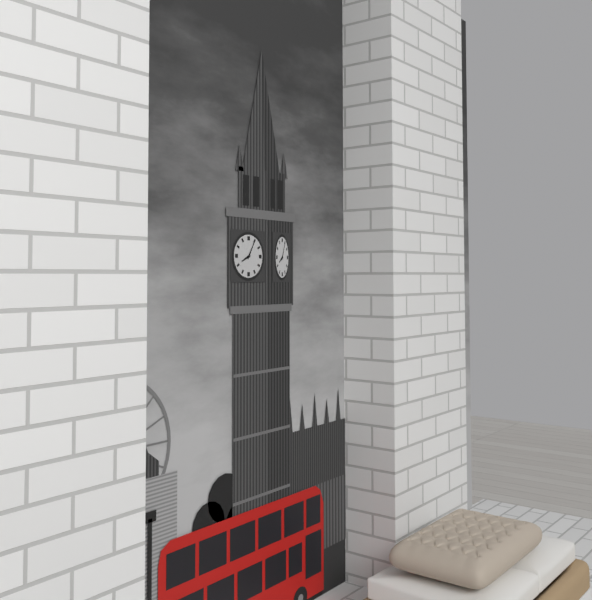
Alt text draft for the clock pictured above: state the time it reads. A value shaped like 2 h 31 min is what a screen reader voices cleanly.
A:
8 h 05 min
